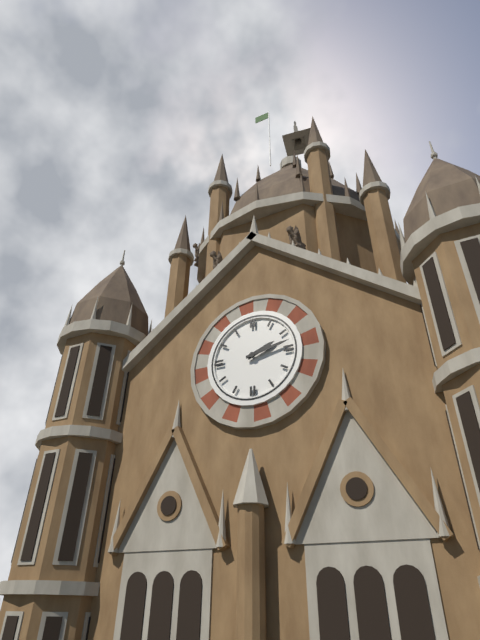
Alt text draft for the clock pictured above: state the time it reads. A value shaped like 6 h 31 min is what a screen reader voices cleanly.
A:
2 h 13 min
